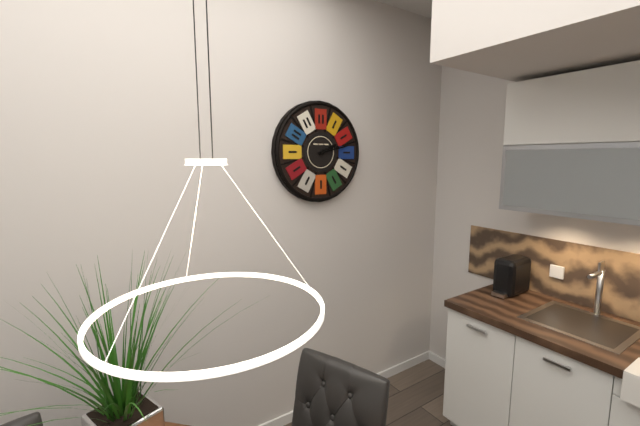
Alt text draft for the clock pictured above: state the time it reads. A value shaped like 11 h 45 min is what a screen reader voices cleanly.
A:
2 h 13 min
